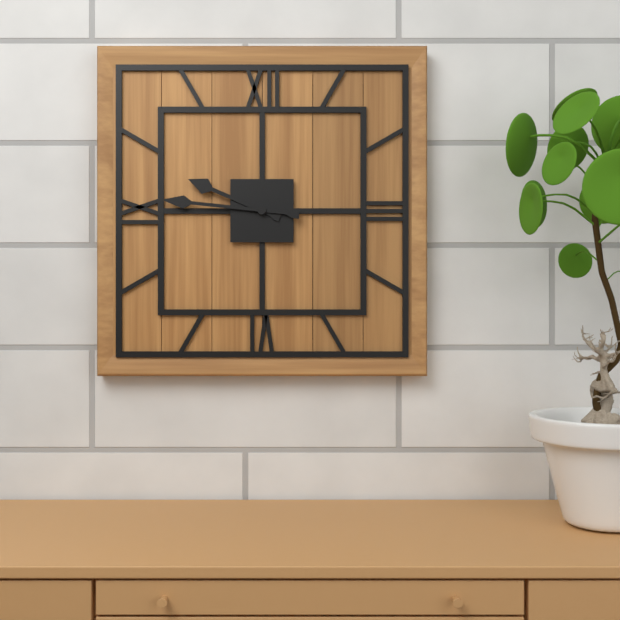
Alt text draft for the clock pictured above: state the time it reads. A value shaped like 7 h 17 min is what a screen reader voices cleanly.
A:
9 h 46 min
